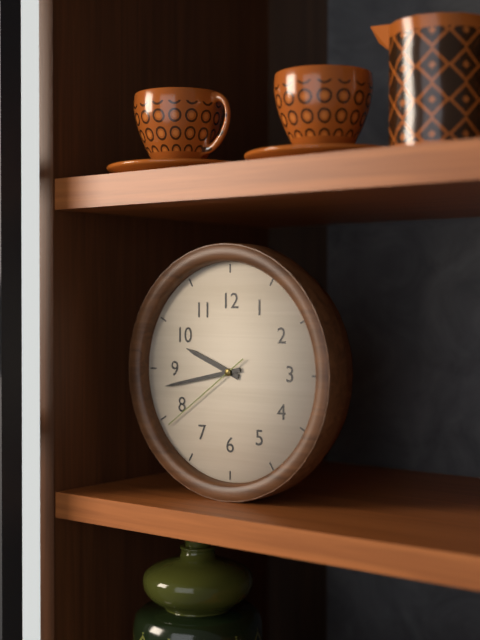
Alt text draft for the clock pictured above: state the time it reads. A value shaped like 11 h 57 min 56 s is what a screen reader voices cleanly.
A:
9 h 43 min 39 s
